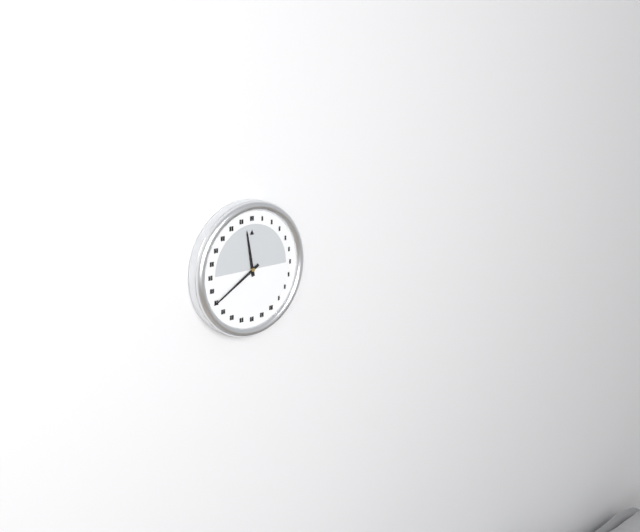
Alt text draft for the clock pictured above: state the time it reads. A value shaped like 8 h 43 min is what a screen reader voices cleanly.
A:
11 h 40 min
